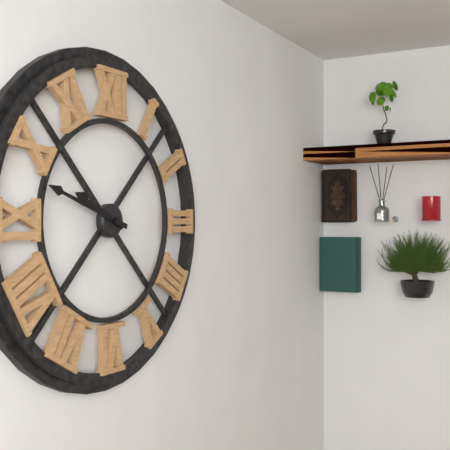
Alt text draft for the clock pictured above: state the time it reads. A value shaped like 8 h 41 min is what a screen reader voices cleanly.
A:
9 h 48 min
